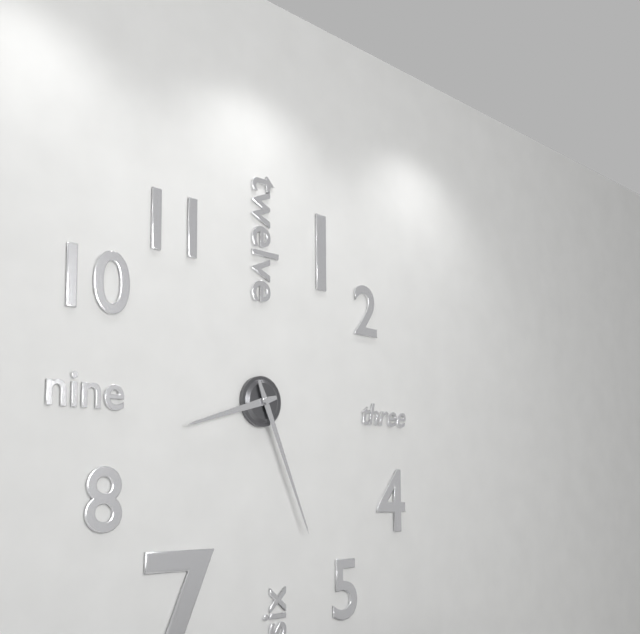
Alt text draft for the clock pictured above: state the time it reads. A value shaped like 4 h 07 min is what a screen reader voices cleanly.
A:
8 h 26 min
